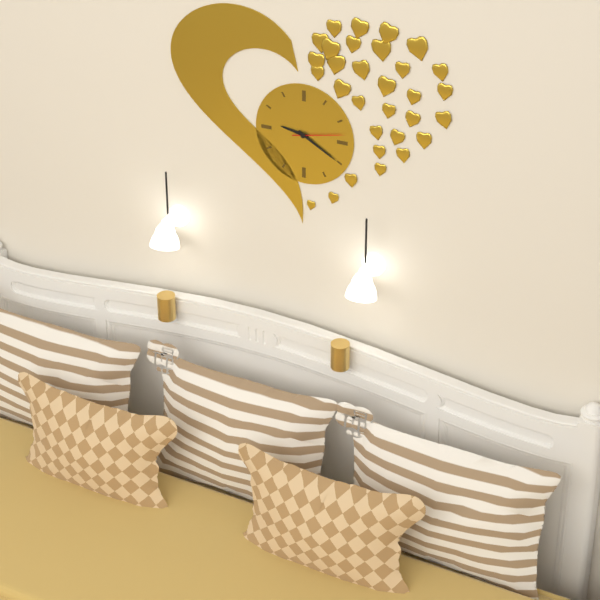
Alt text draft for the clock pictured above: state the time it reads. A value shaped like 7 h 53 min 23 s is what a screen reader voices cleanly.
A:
9 h 20 min 13 s
